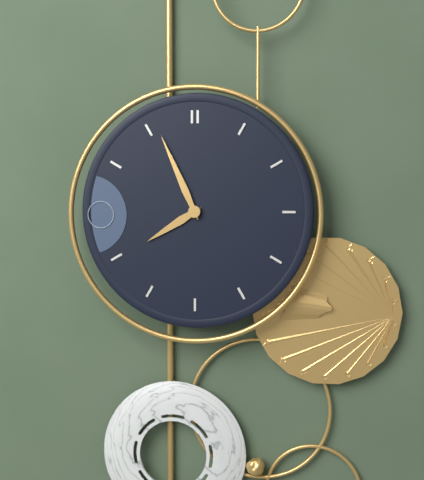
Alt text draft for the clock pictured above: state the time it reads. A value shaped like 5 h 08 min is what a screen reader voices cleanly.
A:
7 h 56 min
